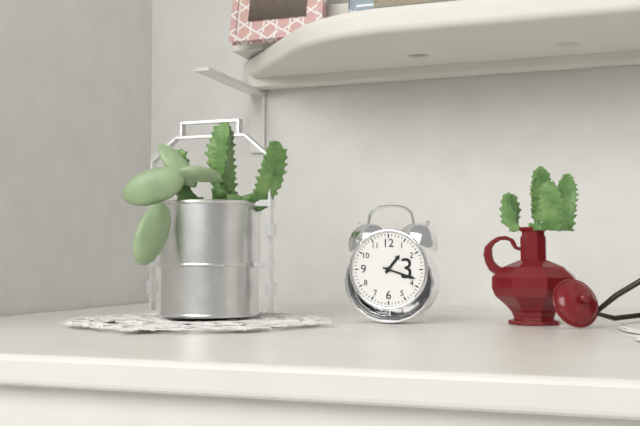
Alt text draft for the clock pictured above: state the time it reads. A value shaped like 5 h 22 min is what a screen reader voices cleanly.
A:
1 h 18 min
